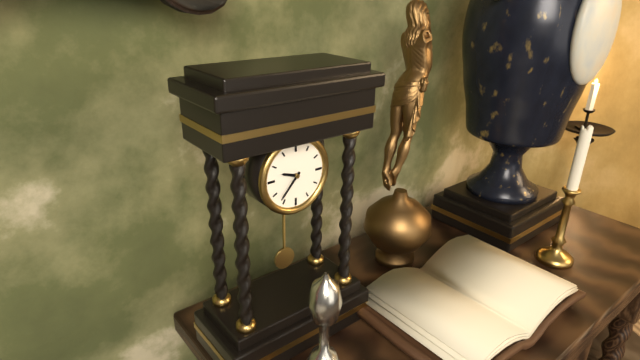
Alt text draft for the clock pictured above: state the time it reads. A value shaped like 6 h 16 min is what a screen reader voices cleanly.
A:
9 h 37 min
